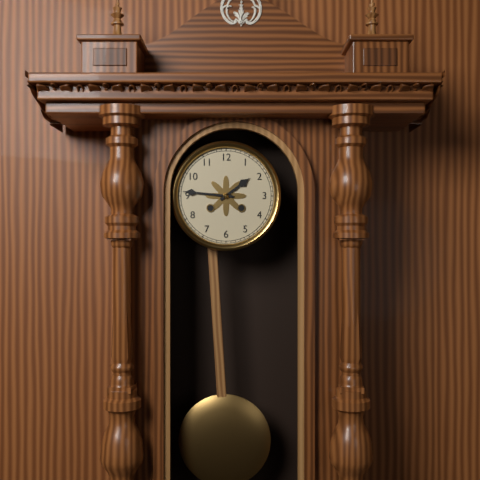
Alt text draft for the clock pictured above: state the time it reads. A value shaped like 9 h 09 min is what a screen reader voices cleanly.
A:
1 h 46 min
